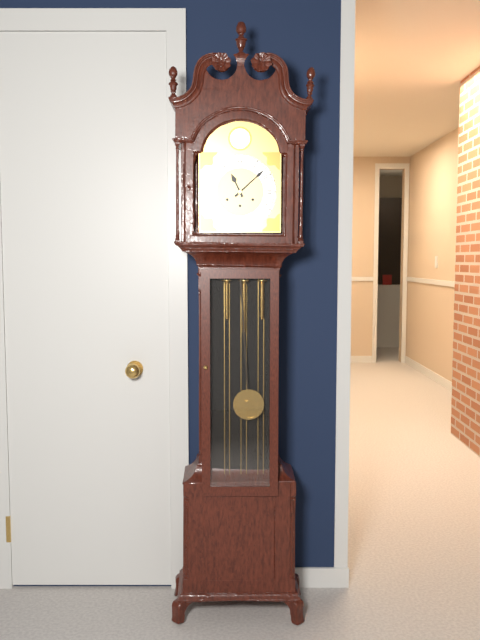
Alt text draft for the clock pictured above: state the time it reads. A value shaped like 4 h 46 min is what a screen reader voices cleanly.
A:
11 h 08 min
